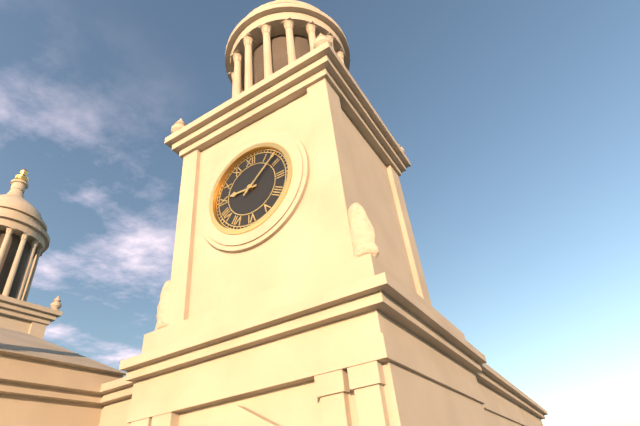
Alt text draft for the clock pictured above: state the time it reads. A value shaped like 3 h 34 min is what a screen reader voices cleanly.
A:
9 h 08 min
